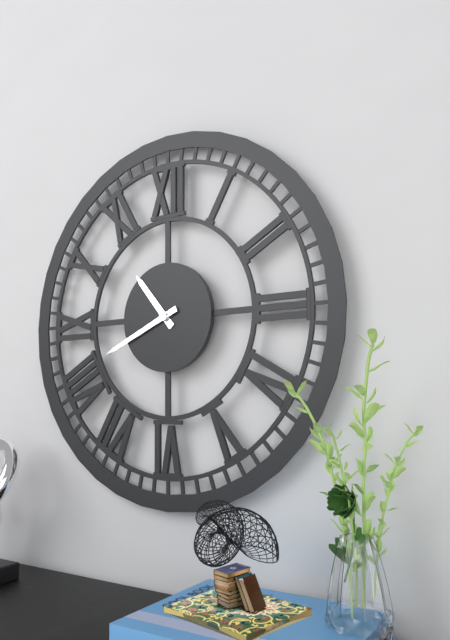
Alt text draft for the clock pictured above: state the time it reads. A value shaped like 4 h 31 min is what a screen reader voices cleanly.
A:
10 h 41 min
